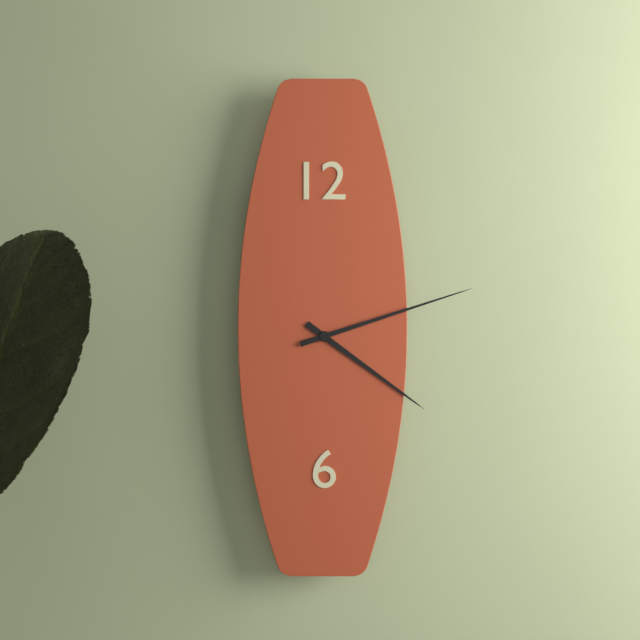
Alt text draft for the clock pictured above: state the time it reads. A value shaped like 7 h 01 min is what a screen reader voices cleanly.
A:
4 h 12 min
